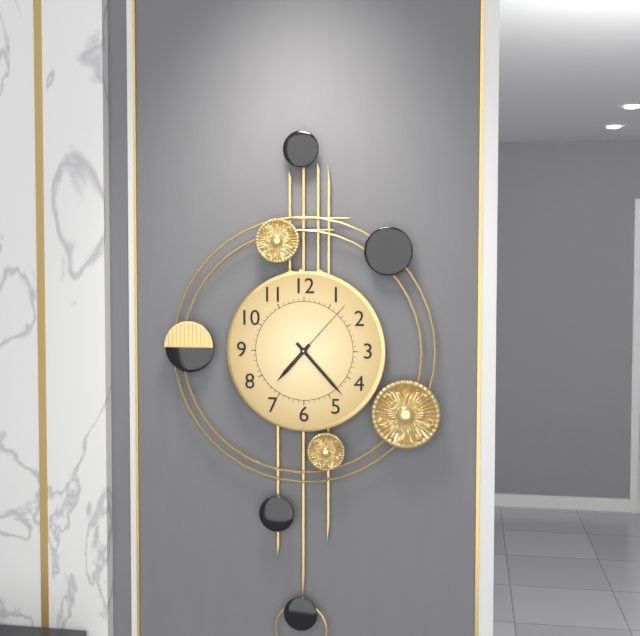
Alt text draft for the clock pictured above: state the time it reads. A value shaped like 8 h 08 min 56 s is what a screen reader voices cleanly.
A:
7 h 23 min 07 s
